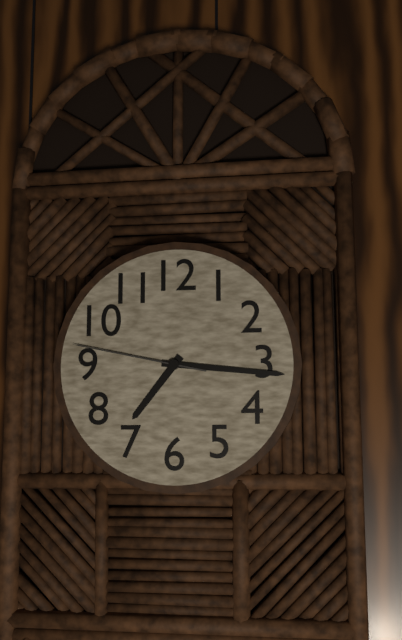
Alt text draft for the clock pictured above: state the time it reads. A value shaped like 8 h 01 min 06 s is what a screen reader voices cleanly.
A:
7 h 16 min 47 s
